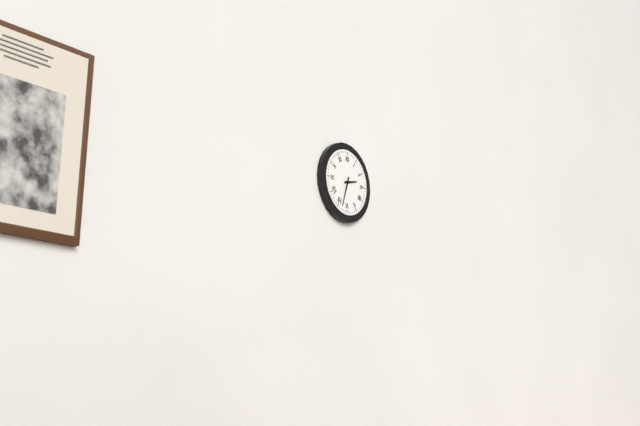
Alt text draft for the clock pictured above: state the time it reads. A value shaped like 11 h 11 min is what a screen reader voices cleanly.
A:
2 h 33 min
